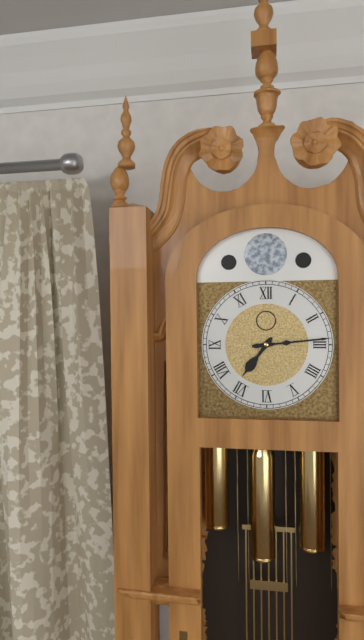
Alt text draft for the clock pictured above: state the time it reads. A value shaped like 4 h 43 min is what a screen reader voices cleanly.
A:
7 h 14 min
